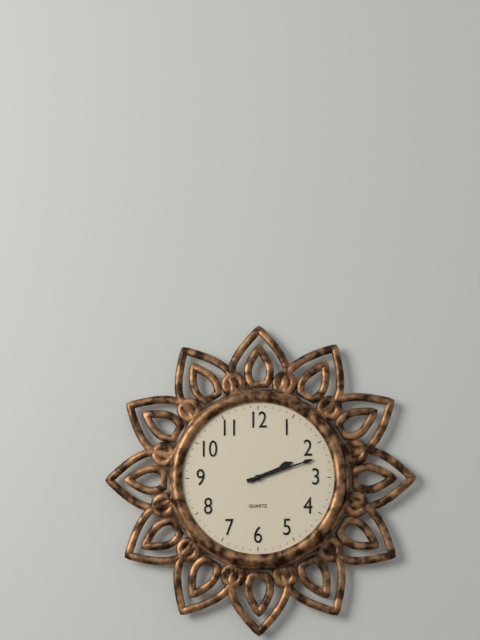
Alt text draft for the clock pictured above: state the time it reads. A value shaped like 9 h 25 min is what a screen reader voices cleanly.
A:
2 h 12 min
